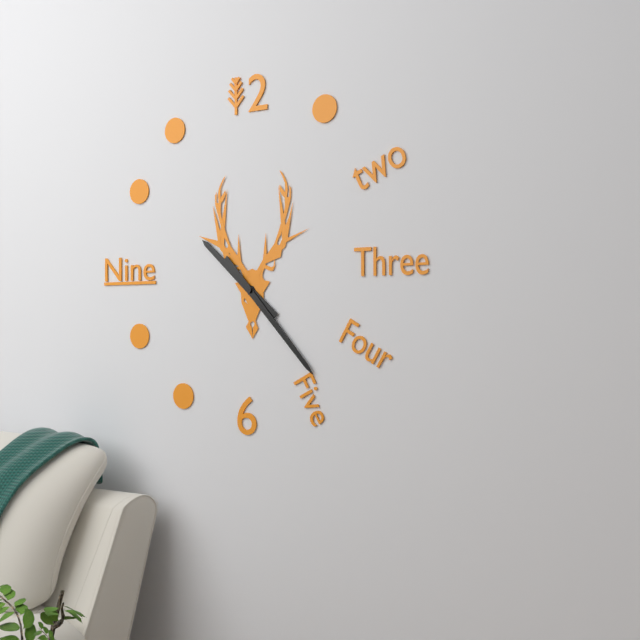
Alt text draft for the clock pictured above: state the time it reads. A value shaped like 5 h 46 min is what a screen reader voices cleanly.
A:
10 h 23 min
